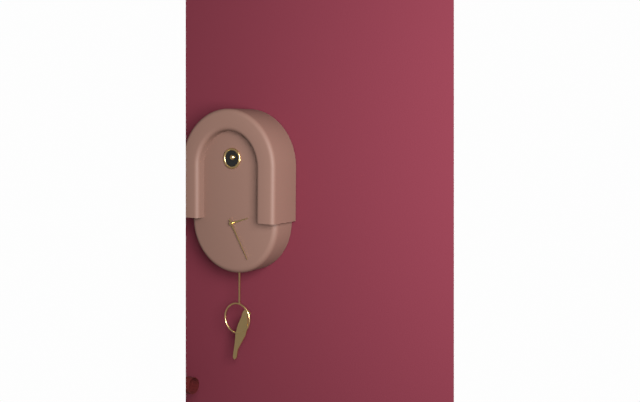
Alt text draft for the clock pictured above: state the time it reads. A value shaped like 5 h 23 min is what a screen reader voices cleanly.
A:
2 h 25 min
